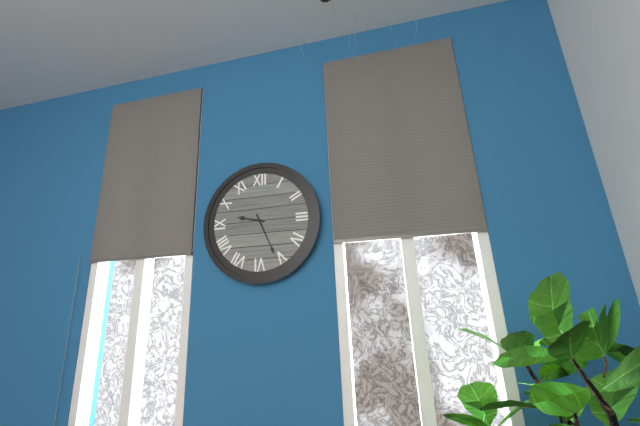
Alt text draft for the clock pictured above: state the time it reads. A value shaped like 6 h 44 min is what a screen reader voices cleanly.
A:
9 h 26 min
